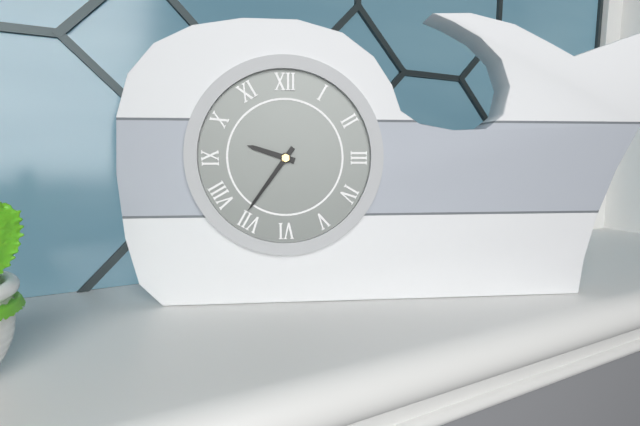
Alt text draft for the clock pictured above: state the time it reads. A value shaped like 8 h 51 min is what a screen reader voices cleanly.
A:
9 h 36 min
